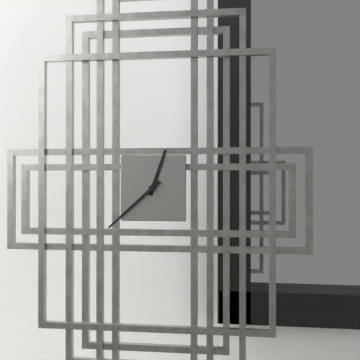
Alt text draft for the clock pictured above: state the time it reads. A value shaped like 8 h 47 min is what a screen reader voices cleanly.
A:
12 h 38 min
